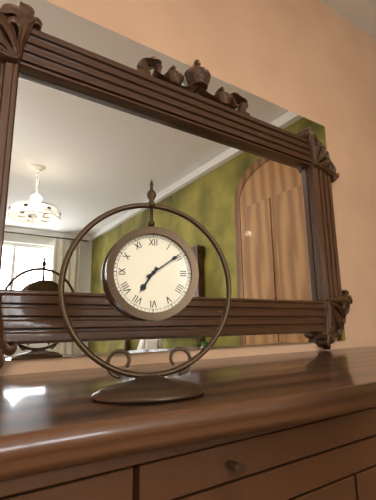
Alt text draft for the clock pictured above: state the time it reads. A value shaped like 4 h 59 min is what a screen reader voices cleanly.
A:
7 h 09 min
